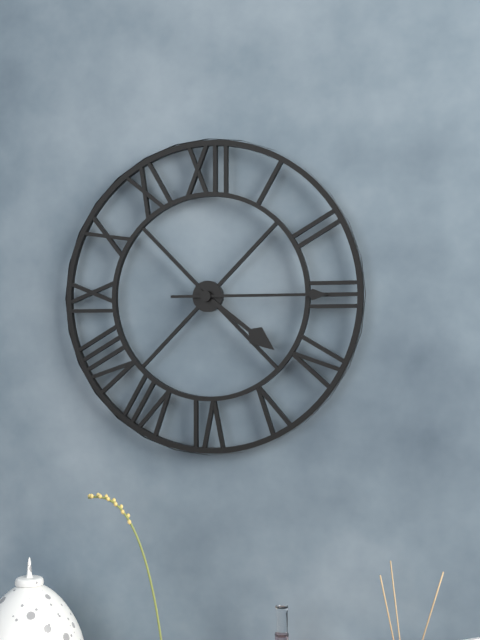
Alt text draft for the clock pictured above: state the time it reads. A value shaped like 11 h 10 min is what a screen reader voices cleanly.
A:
4 h 15 min
